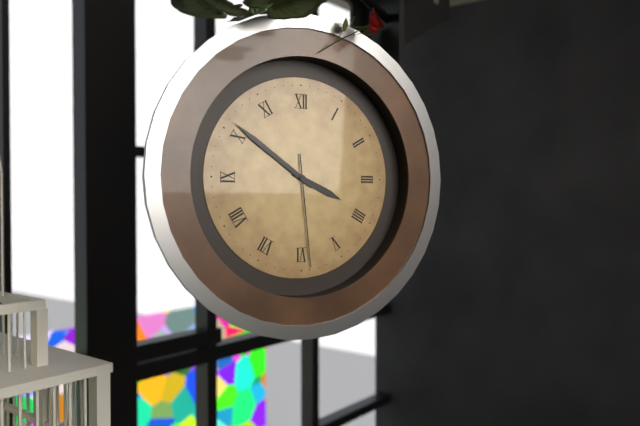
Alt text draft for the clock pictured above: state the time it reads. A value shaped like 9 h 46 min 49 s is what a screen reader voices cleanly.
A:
3 h 51 min 29 s
